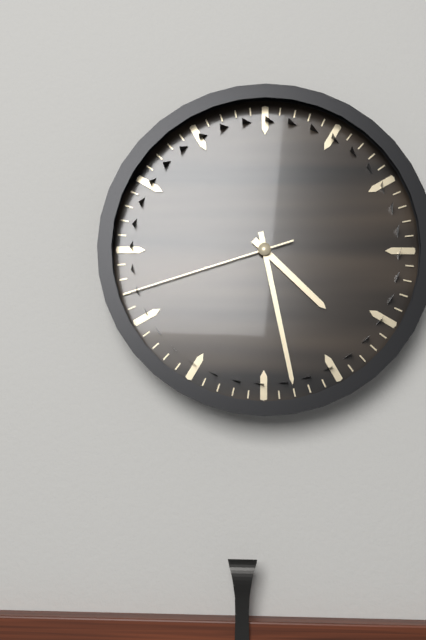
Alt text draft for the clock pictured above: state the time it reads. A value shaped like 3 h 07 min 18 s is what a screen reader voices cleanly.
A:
4 h 28 min 42 s
